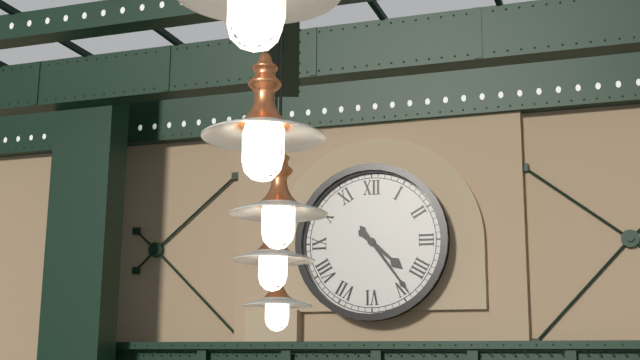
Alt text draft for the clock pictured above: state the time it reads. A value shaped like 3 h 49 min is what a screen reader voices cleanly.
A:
4 h 24 min
